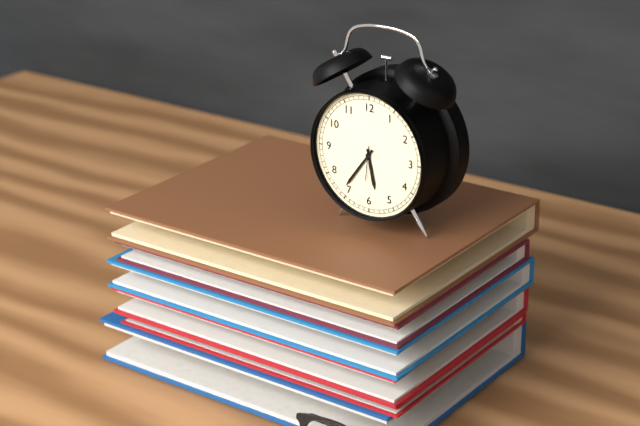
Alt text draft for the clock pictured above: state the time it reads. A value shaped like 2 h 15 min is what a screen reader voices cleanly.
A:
5 h 36 min
